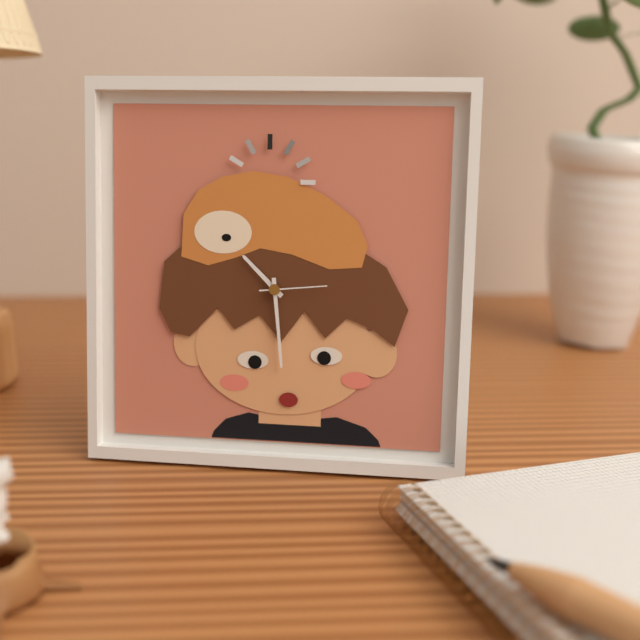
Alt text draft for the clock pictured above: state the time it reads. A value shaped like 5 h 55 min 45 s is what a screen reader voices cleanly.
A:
10 h 29 min 14 s
